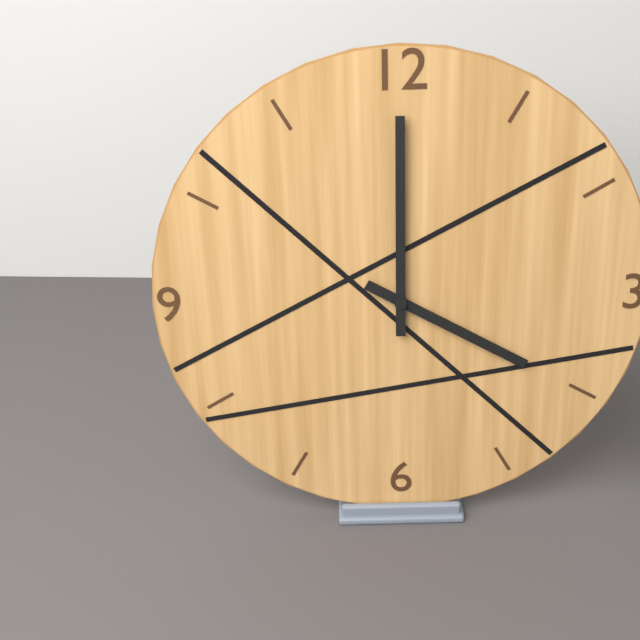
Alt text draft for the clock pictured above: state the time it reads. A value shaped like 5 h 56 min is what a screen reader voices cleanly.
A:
4 h 00 min
